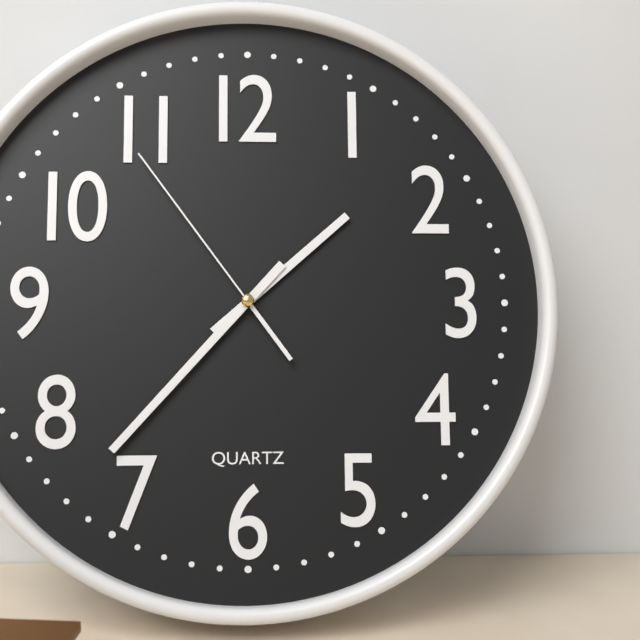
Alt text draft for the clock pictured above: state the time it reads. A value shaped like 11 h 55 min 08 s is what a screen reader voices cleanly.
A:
1 h 37 min 54 s
